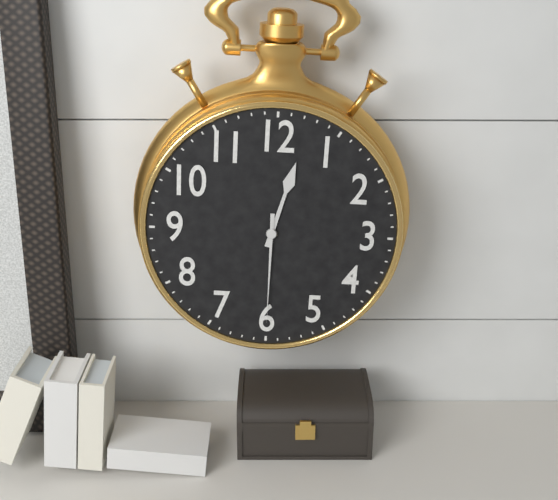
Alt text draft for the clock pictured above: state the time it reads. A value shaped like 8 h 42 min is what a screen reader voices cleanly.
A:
12 h 30 min
